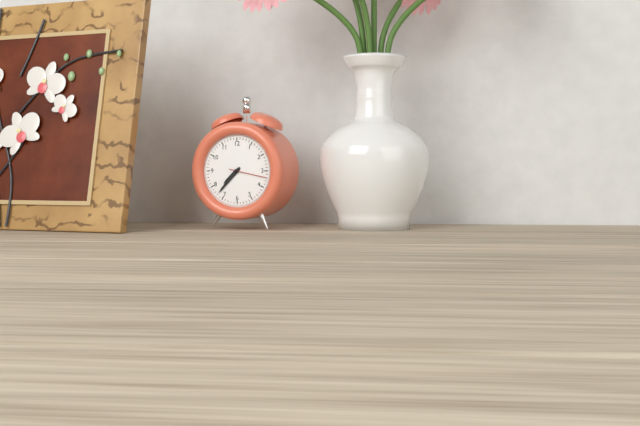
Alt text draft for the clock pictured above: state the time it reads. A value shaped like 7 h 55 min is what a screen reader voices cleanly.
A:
7 h 37 min
